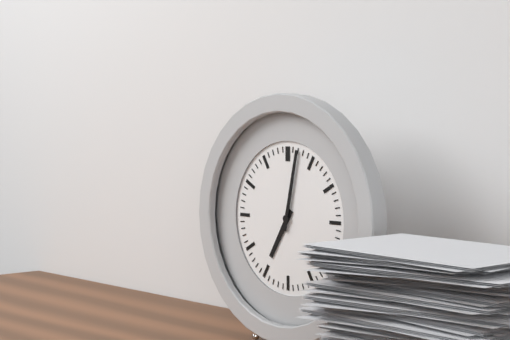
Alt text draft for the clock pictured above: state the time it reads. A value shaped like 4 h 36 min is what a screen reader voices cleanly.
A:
7 h 02 min
